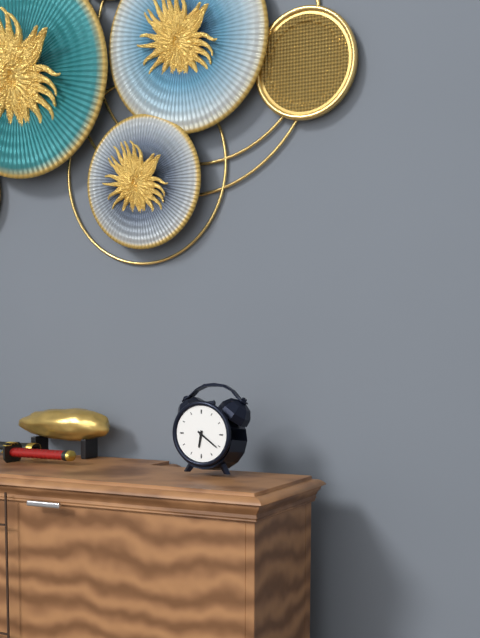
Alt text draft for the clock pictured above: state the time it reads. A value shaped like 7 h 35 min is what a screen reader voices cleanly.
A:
6 h 21 min
